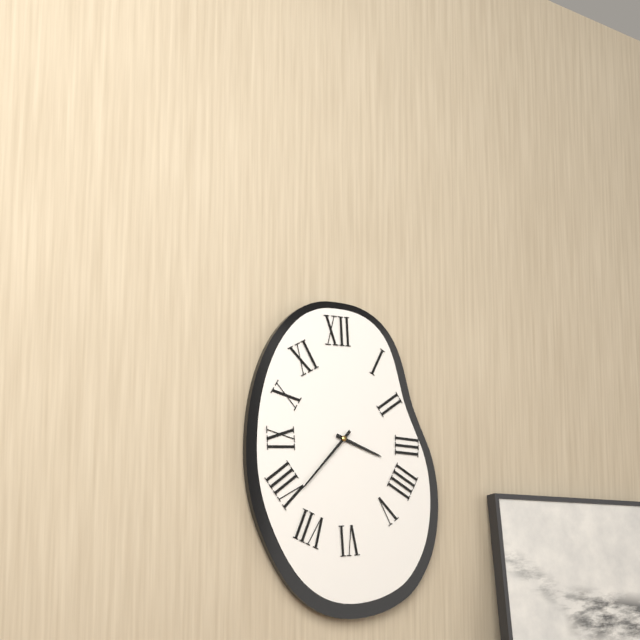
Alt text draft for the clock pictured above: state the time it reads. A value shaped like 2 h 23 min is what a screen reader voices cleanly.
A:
3 h 37 min
